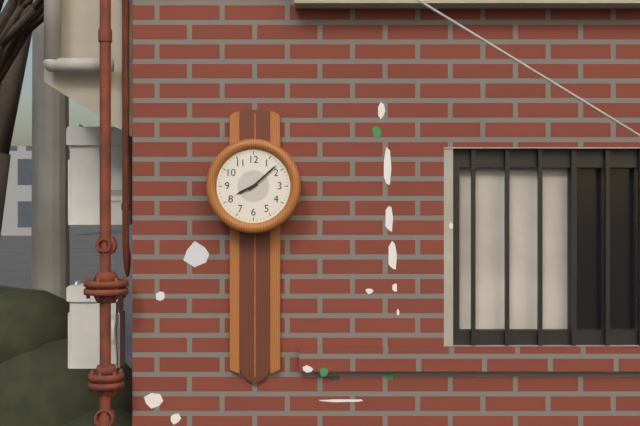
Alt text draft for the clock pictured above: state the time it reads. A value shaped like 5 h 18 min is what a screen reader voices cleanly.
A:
8 h 08 min
